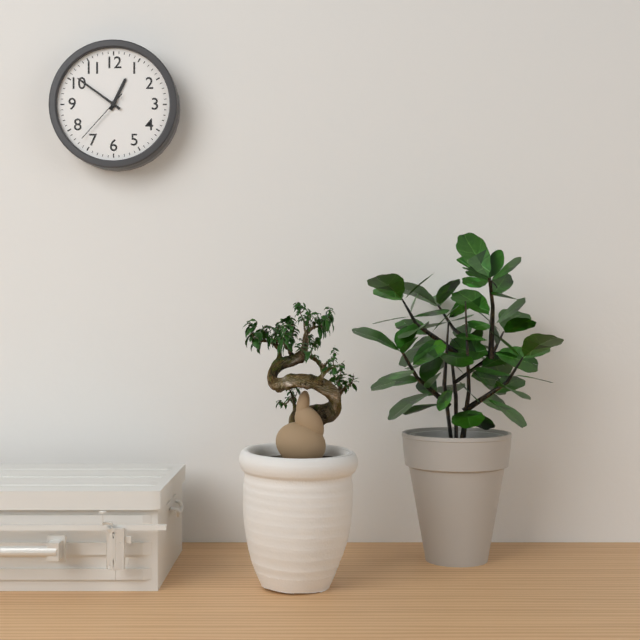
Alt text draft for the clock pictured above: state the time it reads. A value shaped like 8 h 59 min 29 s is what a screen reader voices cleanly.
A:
12 h 51 min 37 s
